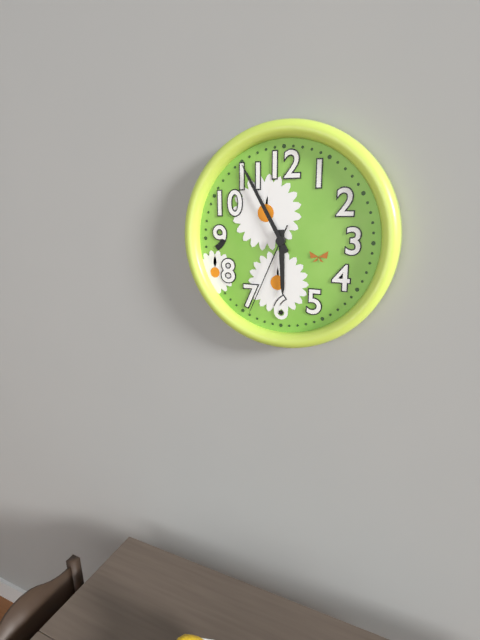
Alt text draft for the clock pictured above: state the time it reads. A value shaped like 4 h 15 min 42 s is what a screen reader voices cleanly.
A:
5 h 55 min 34 s
